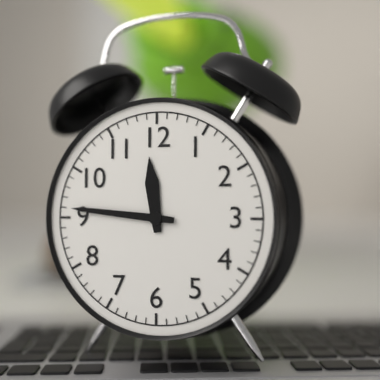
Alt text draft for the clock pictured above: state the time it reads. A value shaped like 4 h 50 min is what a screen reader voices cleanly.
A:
11 h 46 min
